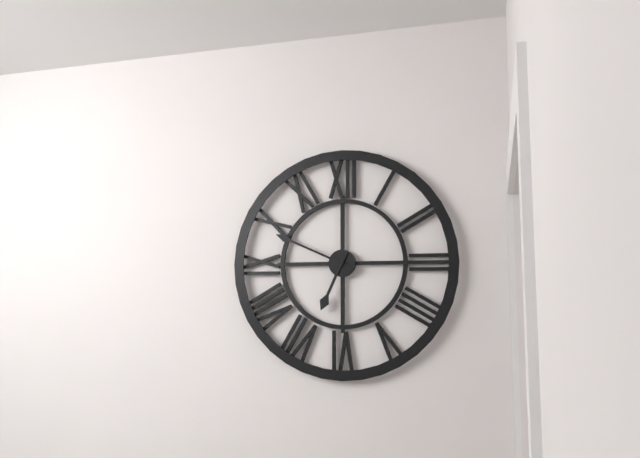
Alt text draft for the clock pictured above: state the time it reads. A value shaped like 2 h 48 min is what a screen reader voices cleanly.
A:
6 h 49 min
